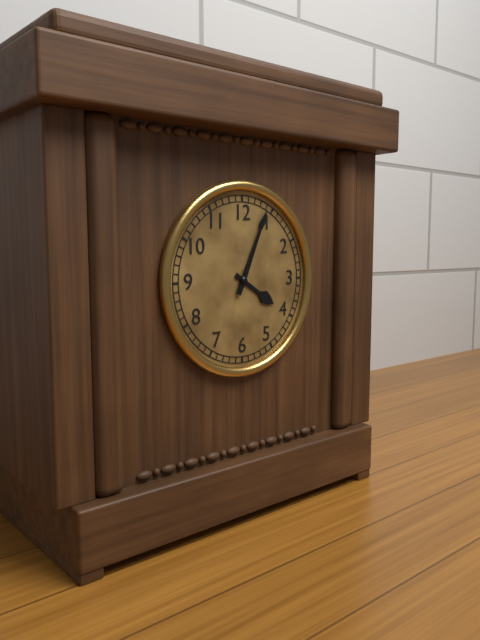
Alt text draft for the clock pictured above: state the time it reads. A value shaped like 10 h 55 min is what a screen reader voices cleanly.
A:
4 h 04 min
